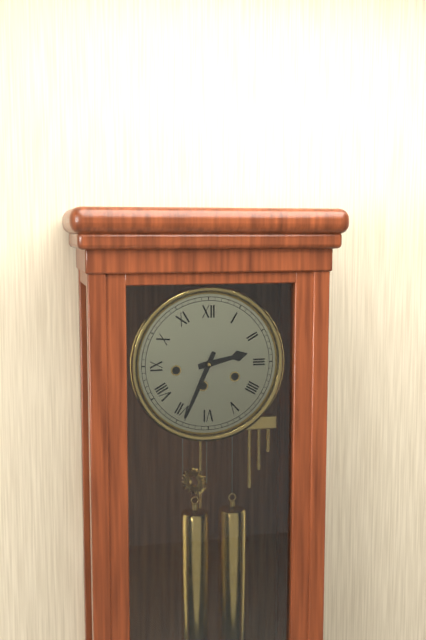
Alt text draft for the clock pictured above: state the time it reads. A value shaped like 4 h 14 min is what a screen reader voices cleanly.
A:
2 h 34 min
